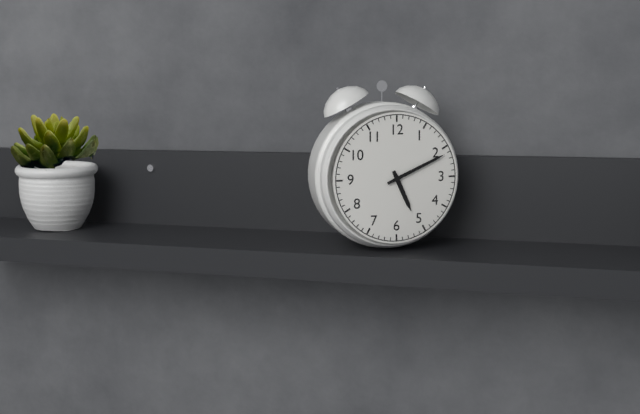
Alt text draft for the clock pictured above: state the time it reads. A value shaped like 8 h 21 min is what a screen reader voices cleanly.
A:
5 h 11 min
